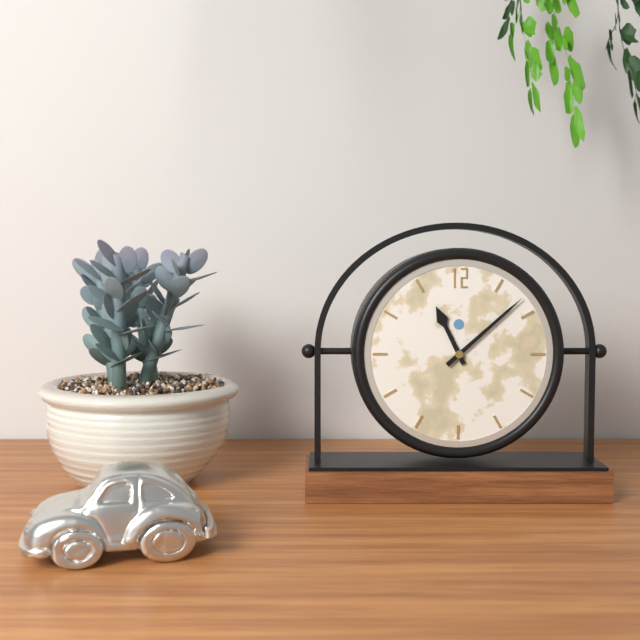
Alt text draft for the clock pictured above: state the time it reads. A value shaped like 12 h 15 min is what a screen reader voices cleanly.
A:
11 h 08 min
